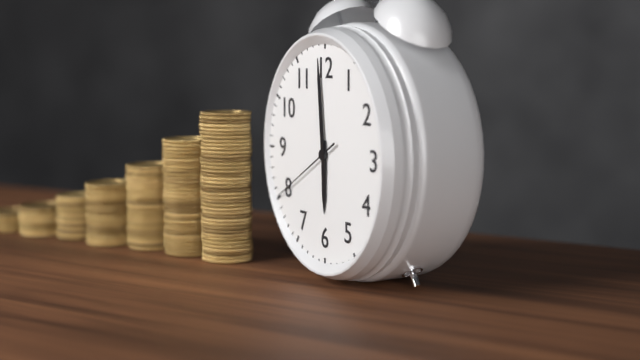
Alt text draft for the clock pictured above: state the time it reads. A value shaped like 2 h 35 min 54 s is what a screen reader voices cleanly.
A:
5 h 59 min 40 s
